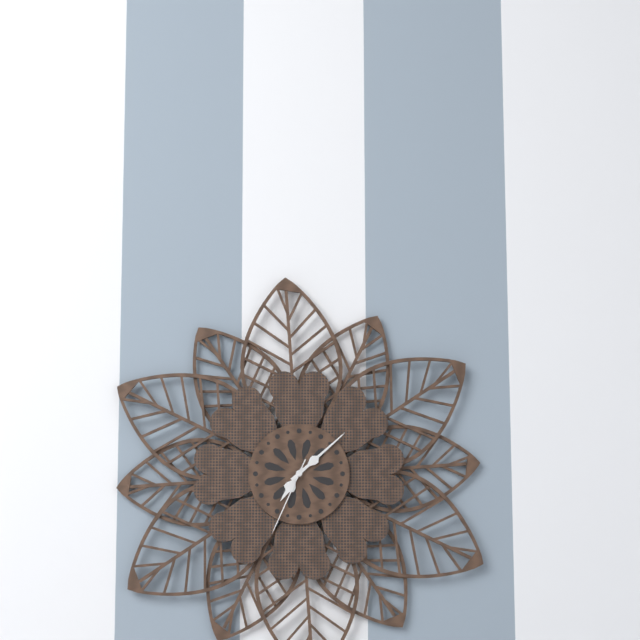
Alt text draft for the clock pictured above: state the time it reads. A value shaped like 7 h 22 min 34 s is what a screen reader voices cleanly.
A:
7 h 08 min 34 s
